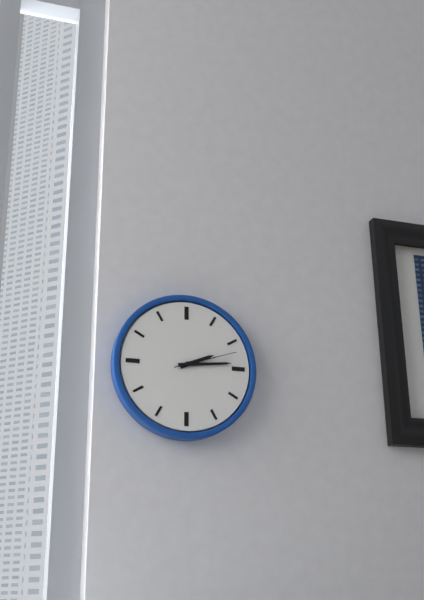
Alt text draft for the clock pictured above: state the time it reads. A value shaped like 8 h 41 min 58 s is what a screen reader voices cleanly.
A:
2 h 14 min 12 s
